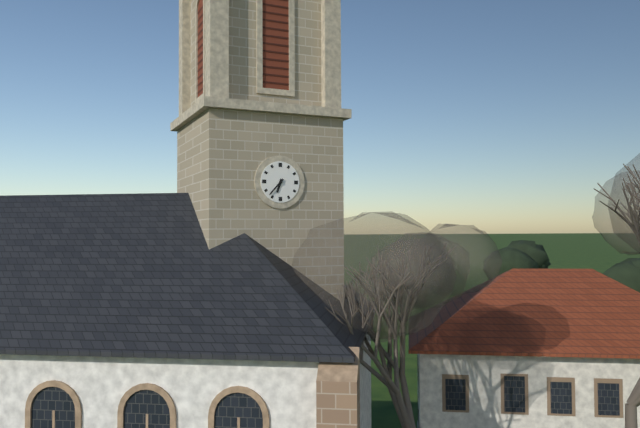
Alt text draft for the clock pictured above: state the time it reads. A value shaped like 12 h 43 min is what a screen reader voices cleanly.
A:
6 h 37 min
